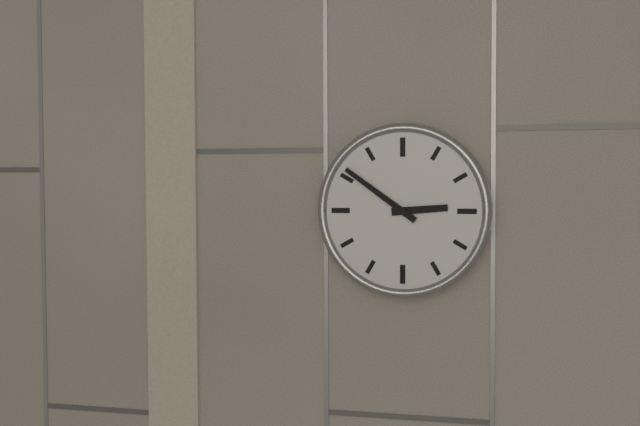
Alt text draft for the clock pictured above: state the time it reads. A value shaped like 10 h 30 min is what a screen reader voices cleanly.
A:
2 h 51 min
